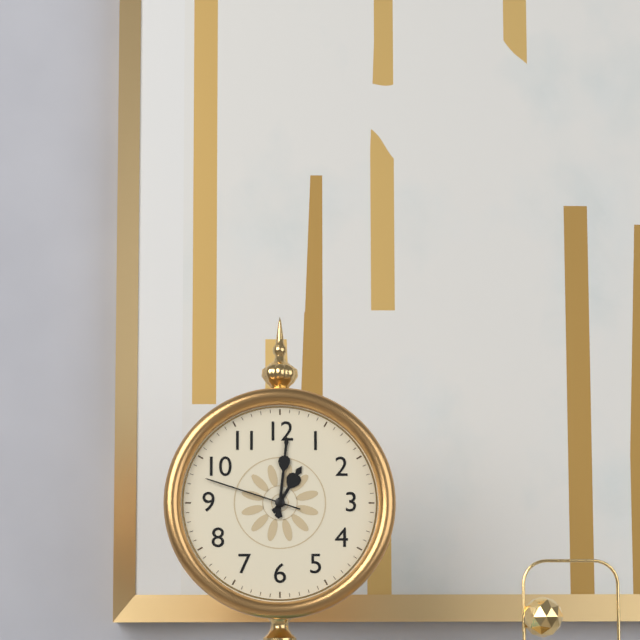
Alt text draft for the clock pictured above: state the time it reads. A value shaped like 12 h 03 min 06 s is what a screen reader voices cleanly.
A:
1 h 01 min 48 s
